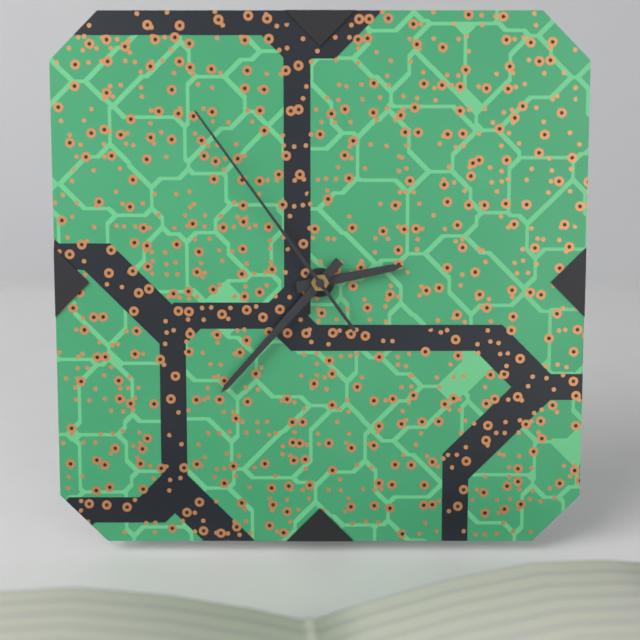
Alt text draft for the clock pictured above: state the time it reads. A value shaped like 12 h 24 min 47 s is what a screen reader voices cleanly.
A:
2 h 37 min 54 s
